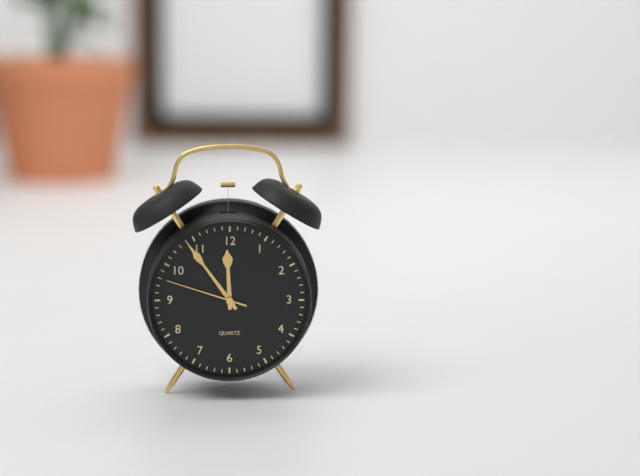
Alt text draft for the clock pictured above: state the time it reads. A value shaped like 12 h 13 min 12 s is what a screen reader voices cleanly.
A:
11 h 54 min 48 s
